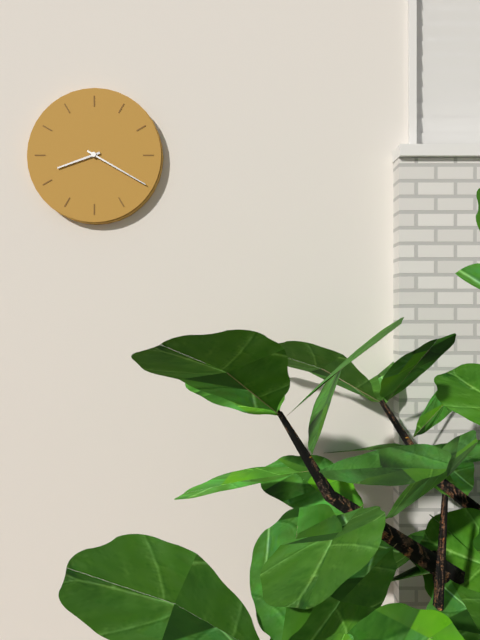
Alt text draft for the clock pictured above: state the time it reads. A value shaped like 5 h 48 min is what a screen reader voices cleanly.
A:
8 h 20 min
